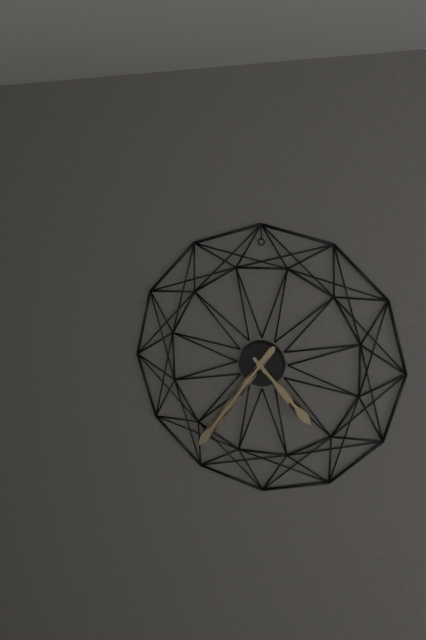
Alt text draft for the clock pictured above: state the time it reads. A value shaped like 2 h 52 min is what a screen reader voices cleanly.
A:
4 h 36 min
